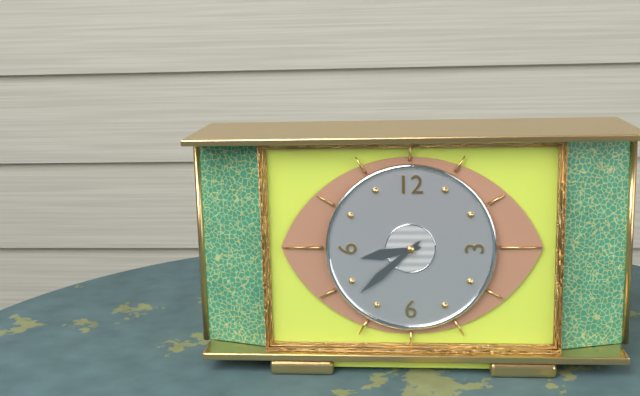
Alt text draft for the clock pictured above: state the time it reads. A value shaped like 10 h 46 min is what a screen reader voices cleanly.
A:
8 h 38 min
